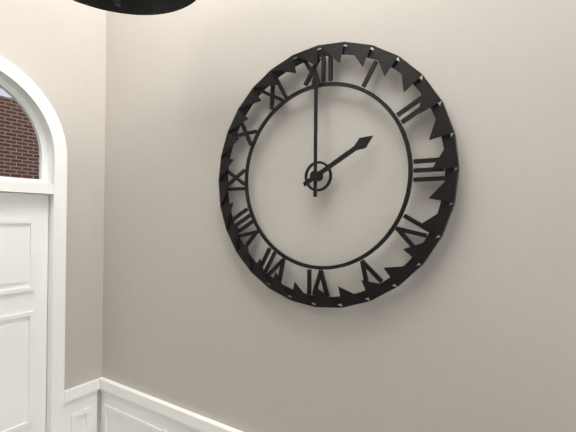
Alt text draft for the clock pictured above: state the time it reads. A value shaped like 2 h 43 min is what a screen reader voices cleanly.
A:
2 h 00 min
